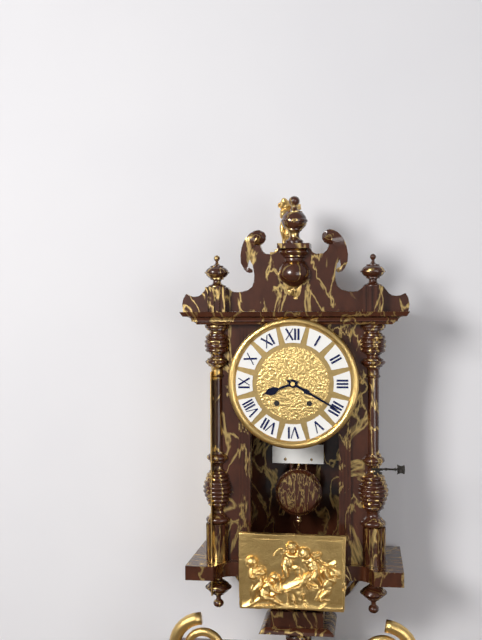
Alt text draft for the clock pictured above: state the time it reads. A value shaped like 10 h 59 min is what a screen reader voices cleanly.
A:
8 h 20 min
